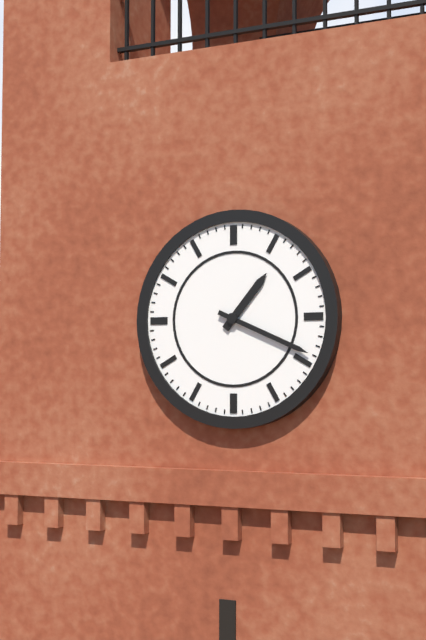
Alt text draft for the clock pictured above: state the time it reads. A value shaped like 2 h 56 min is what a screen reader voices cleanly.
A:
1 h 19 min
